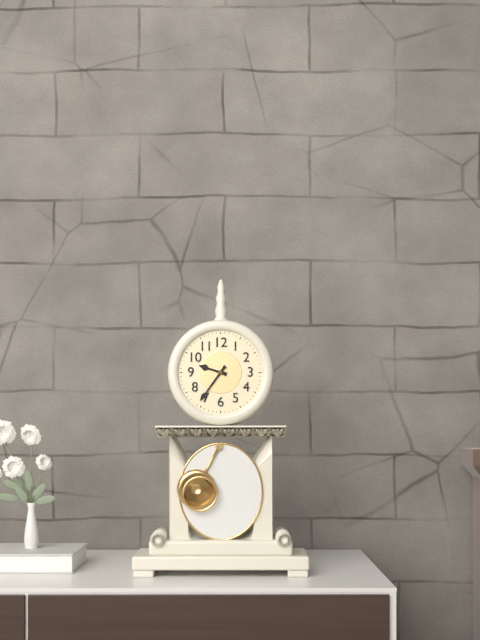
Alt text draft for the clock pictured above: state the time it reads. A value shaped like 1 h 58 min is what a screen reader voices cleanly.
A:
9 h 36 min
